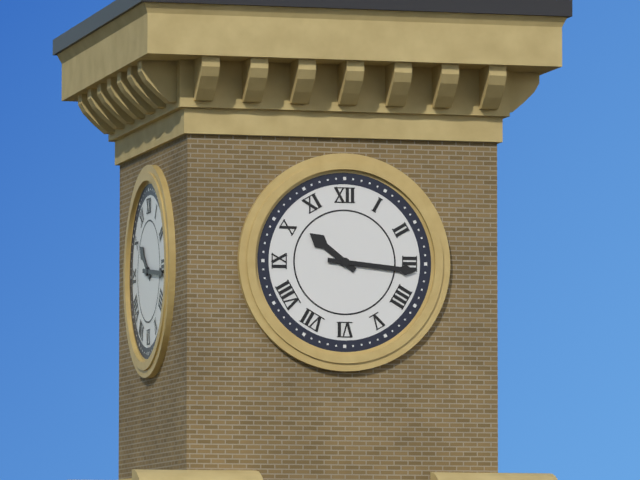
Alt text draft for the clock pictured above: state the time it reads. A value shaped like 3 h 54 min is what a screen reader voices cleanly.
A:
10 h 16 min
